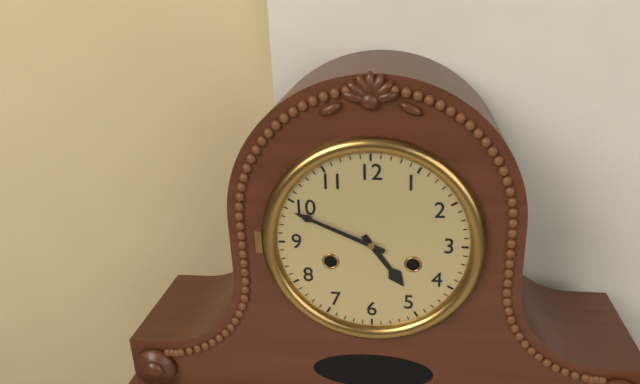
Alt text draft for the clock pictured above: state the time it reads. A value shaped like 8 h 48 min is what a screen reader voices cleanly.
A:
4 h 49 min
